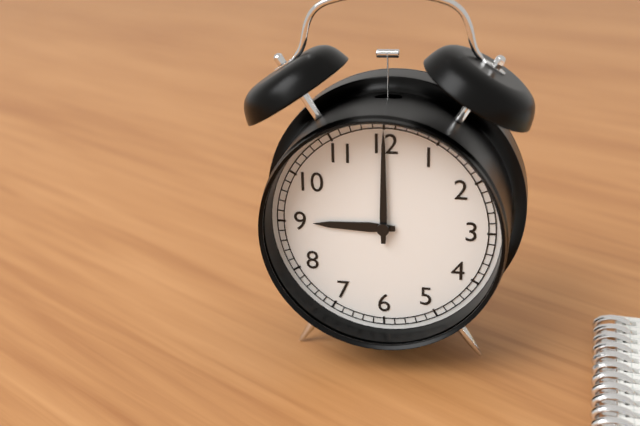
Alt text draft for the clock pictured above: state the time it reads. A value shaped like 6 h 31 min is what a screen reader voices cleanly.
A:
9 h 00 min
